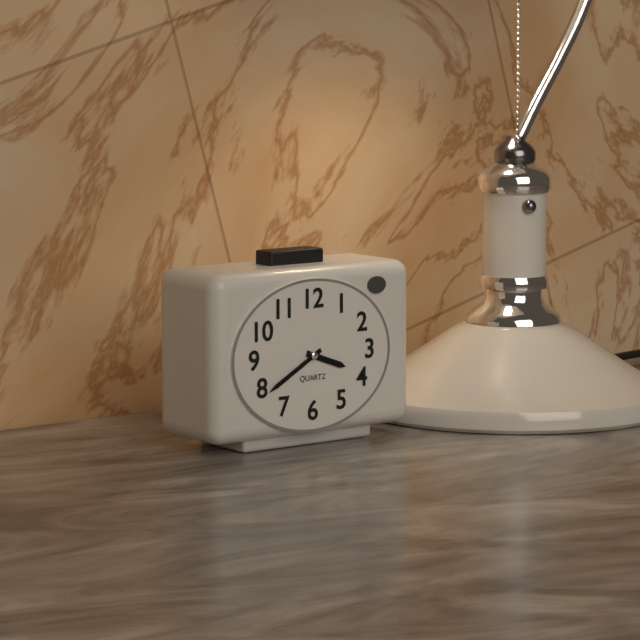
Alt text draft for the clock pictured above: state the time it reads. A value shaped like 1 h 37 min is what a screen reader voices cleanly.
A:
3 h 40 min
